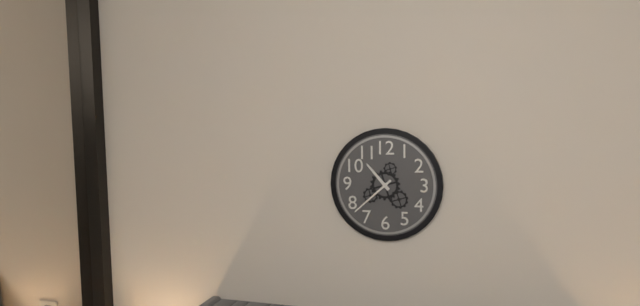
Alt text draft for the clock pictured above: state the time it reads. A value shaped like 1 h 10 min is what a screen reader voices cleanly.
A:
10 h 38 min
